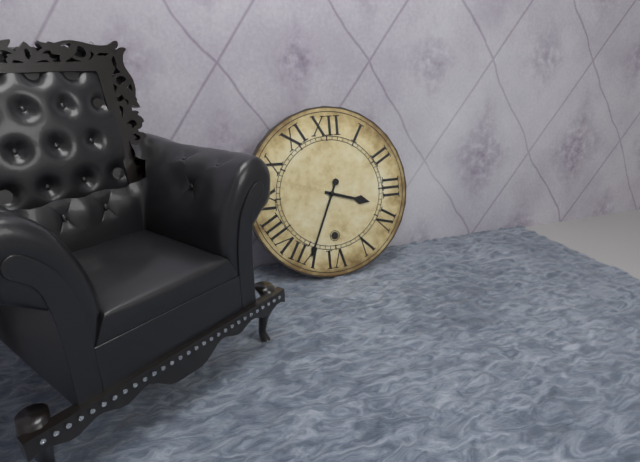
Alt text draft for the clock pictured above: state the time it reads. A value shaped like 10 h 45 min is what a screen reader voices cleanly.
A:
3 h 34 min
